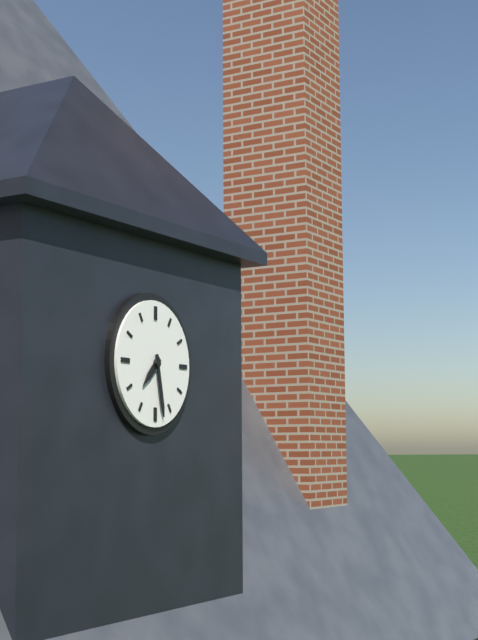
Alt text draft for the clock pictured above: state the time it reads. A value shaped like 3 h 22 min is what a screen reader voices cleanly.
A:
7 h 28 min
